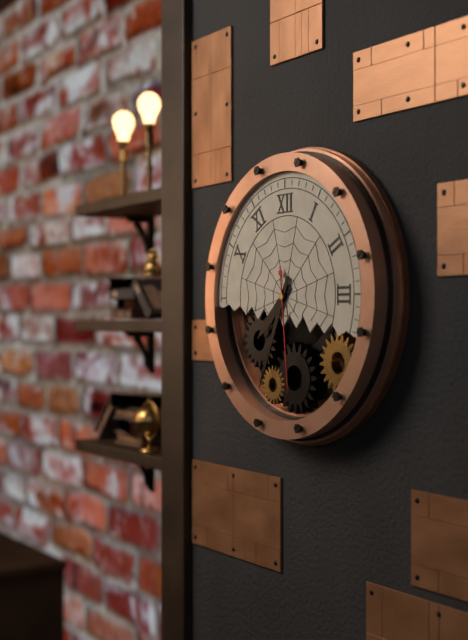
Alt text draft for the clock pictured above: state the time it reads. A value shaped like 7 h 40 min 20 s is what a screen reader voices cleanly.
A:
7 h 34 min 29 s
